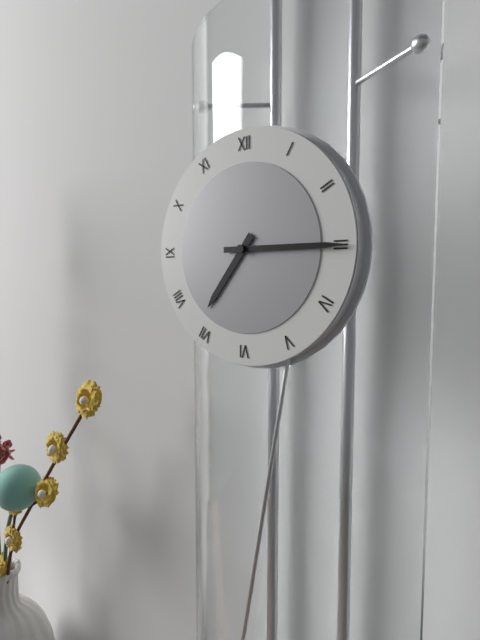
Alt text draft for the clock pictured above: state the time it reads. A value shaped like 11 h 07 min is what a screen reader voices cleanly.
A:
7 h 15 min
